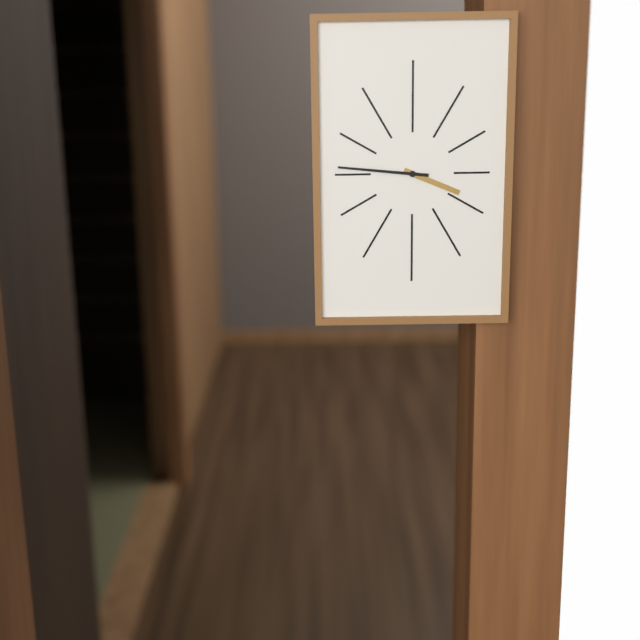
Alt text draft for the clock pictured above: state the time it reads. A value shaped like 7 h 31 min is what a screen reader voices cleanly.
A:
3 h 46 min
